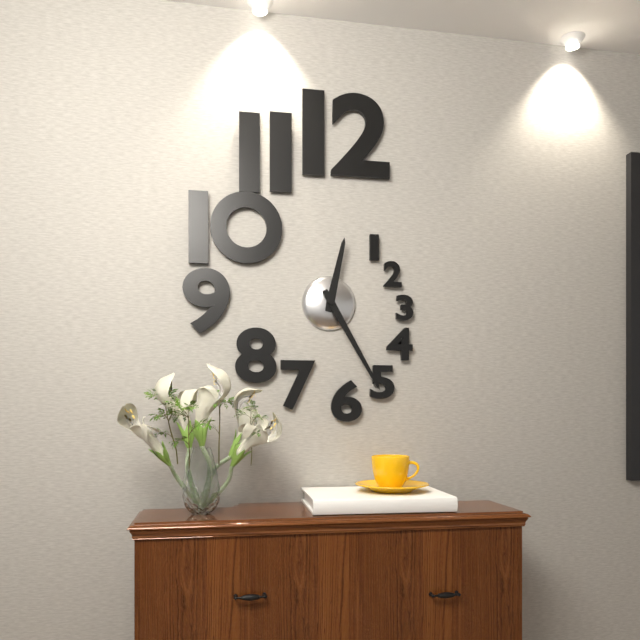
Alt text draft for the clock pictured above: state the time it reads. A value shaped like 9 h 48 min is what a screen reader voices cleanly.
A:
12 h 25 min
